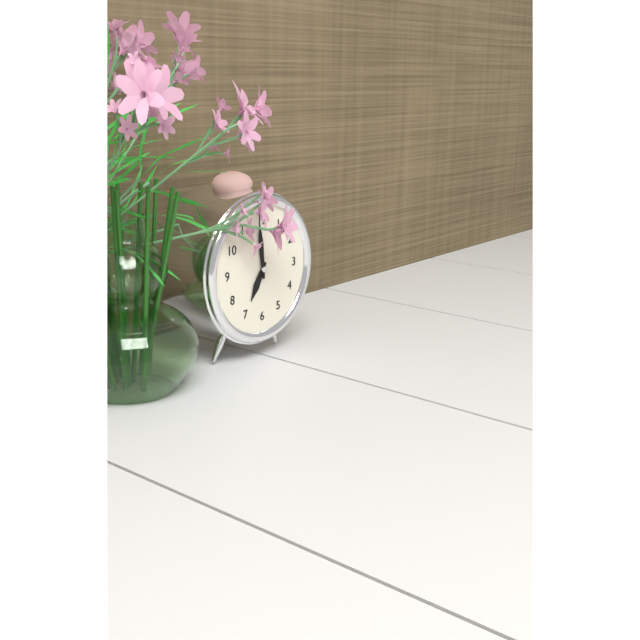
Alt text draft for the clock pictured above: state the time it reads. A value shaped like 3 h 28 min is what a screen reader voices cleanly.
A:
6 h 59 min
